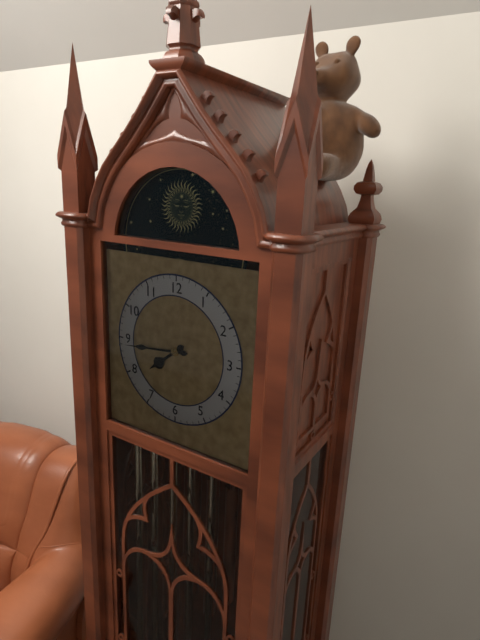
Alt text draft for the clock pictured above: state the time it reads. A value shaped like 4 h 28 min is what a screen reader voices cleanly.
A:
7 h 44 min
